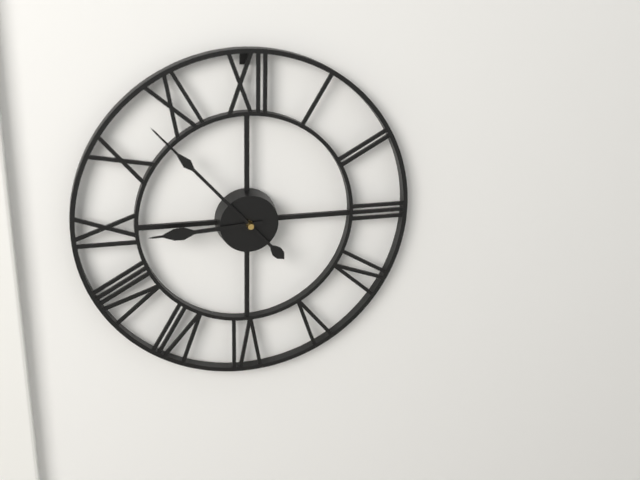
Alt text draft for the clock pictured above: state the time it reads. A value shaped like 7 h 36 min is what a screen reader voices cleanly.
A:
8 h 53 min
